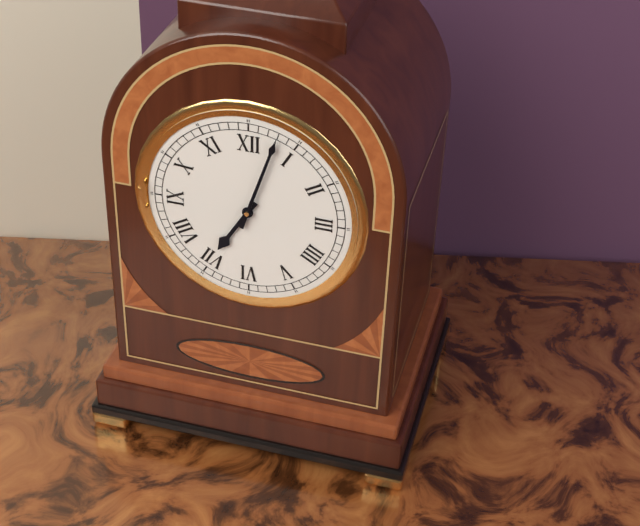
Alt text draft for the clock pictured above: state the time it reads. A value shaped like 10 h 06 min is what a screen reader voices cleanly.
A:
7 h 03 min
